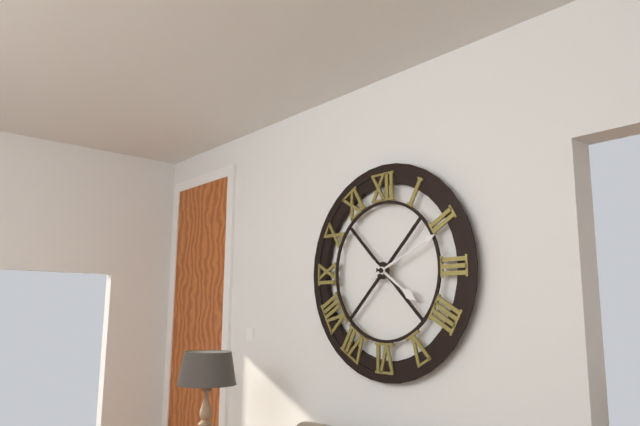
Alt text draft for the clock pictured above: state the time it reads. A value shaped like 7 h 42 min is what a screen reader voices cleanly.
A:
4 h 11 min
